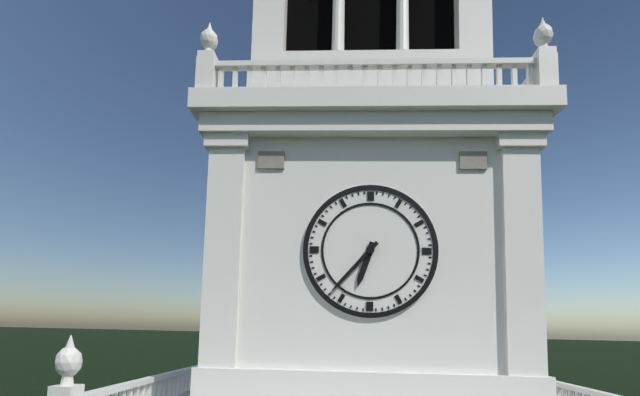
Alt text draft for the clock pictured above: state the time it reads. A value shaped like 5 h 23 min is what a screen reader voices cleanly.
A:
6 h 37 min
